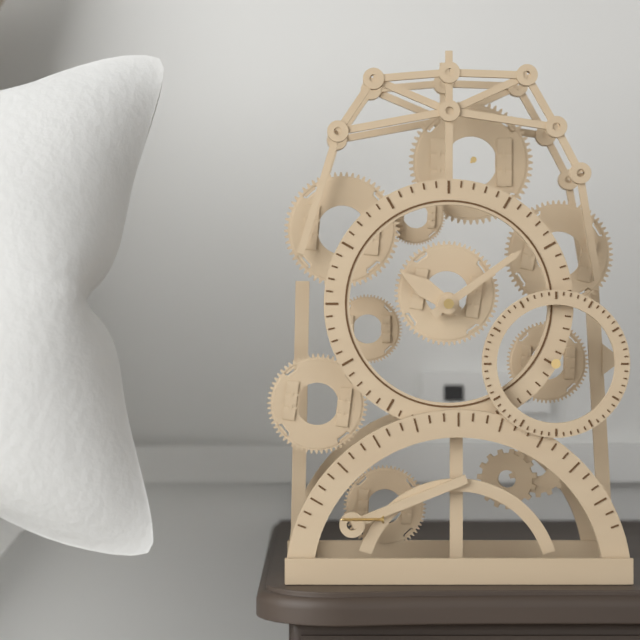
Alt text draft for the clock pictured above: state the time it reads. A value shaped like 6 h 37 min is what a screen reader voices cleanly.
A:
10 h 09 min
